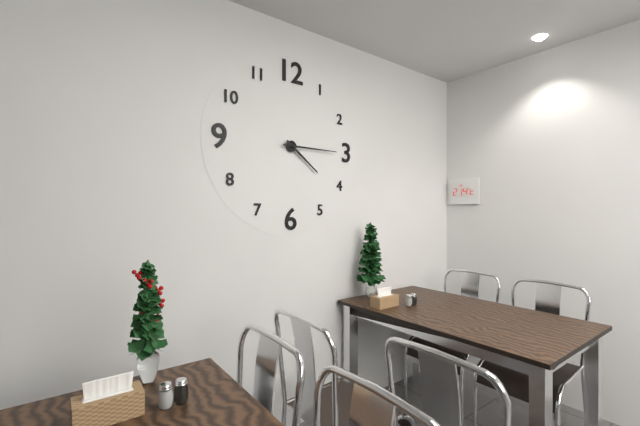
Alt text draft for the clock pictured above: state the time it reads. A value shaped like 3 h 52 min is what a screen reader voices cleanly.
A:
4 h 15 min
